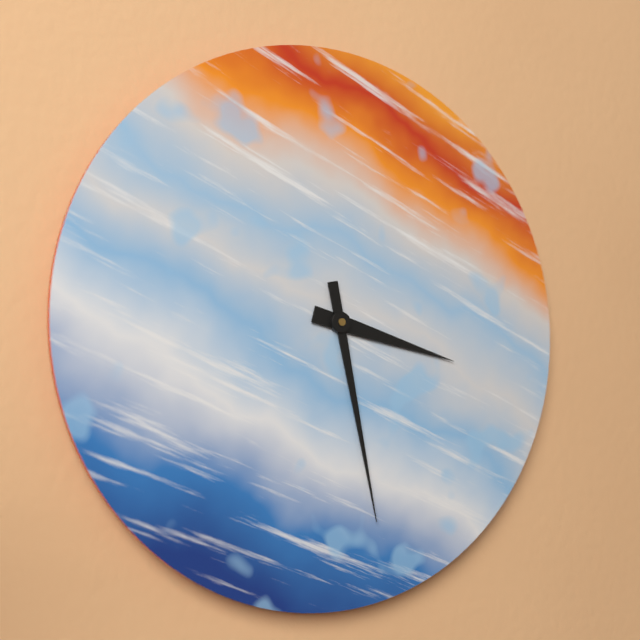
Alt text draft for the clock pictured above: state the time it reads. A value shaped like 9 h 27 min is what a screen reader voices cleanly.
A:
3 h 28 min
